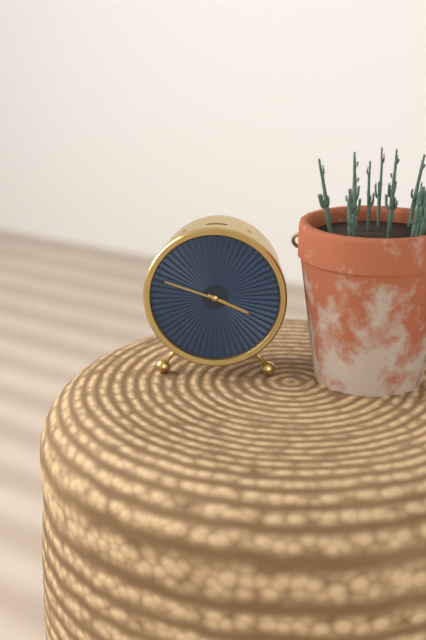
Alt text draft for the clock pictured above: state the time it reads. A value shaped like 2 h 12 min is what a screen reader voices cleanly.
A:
3 h 48 min
